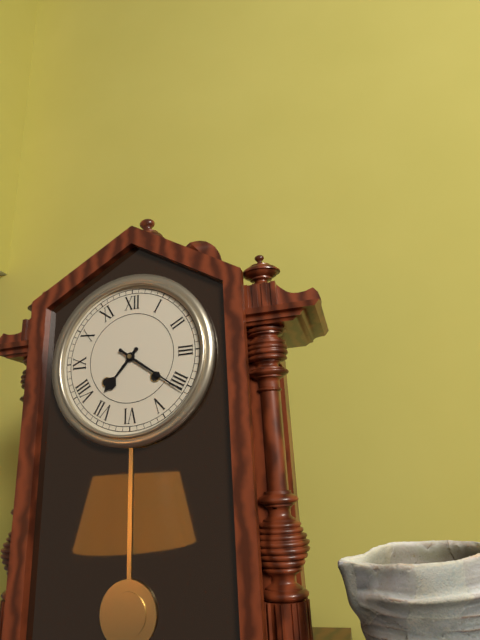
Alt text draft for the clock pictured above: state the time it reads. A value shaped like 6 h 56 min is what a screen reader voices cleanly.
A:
7 h 21 min
